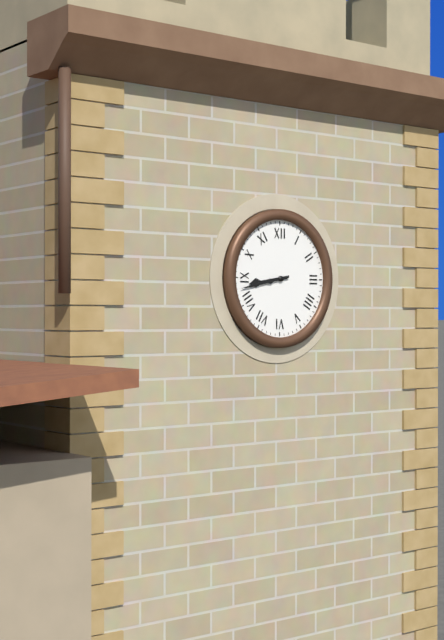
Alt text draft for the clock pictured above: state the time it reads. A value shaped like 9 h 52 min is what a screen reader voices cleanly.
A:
8 h 43 min
